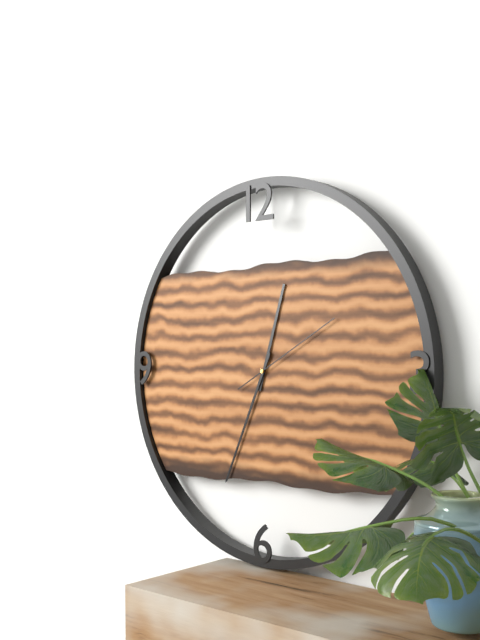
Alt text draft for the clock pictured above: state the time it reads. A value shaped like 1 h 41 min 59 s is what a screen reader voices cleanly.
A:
12 h 34 min 10 s
